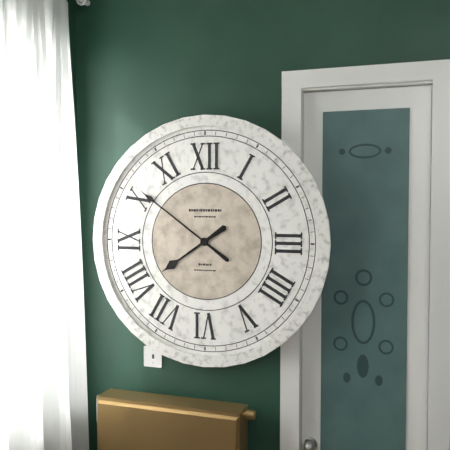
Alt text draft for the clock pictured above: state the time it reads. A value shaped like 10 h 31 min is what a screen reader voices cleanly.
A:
7 h 51 min
